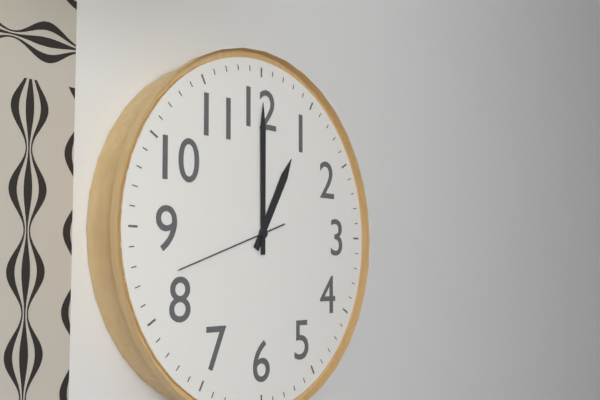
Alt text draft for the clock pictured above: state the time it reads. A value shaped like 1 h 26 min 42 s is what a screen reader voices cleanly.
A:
1 h 00 min 42 s
